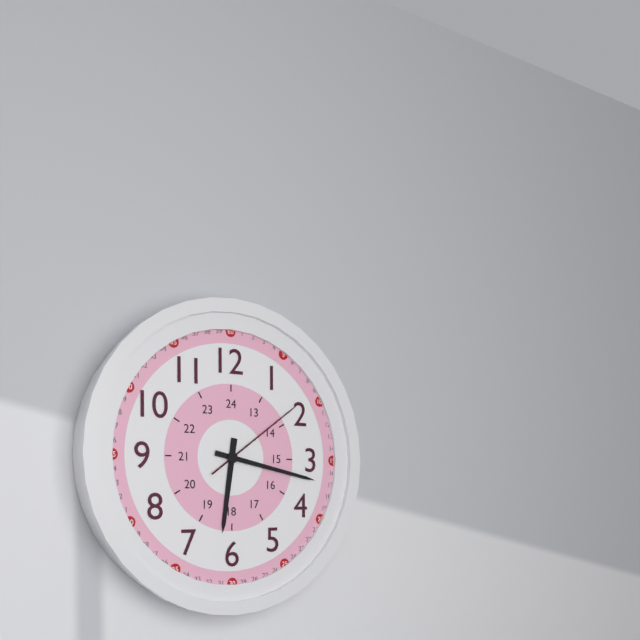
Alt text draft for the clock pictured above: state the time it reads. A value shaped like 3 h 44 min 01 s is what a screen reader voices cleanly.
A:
6 h 17 min 09 s
